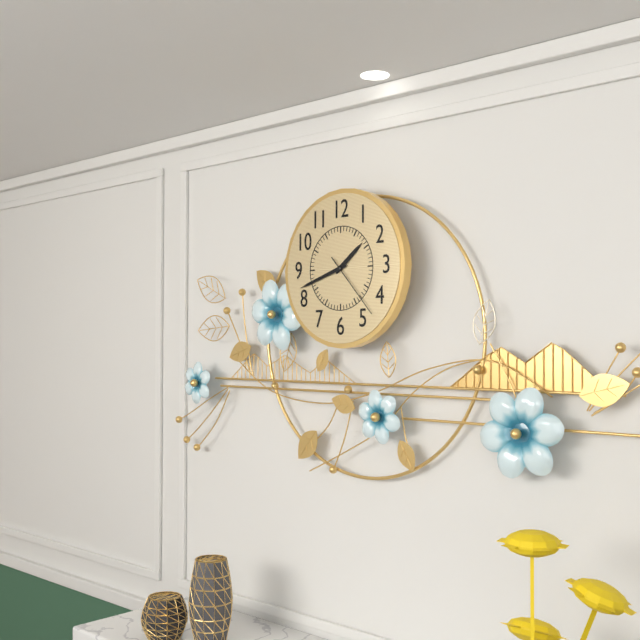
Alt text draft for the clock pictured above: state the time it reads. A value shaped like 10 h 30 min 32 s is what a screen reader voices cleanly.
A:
1 h 42 min 23 s
